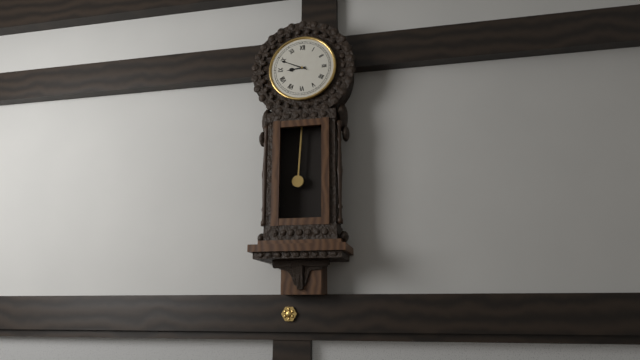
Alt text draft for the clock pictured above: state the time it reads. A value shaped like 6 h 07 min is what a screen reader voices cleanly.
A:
8 h 49 min
